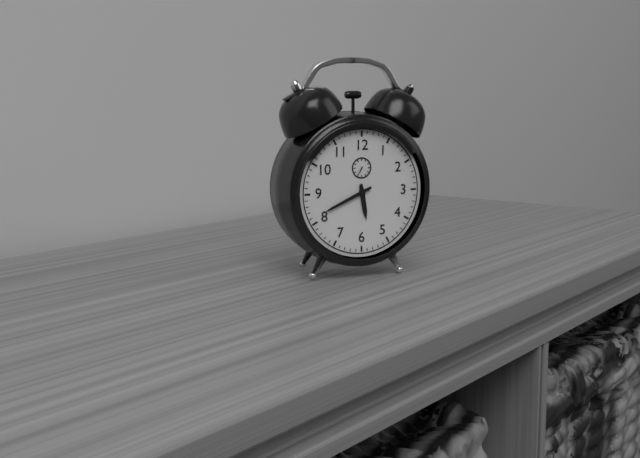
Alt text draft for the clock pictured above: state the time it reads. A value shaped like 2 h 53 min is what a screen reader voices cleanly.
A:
5 h 41 min
